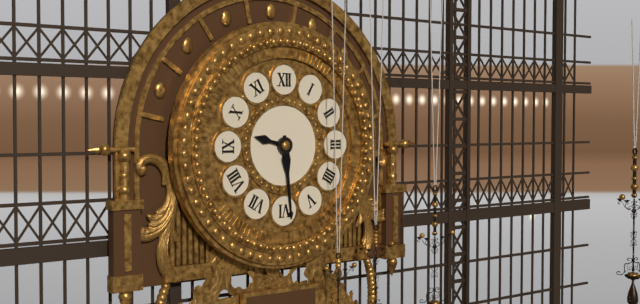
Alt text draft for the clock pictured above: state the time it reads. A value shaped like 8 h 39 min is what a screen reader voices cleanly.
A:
9 h 29 min
